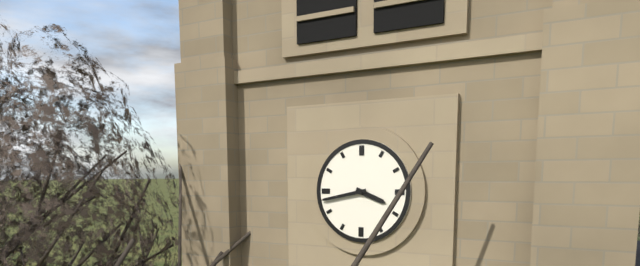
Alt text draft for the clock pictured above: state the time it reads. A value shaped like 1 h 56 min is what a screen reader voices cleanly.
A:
3 h 43 min
